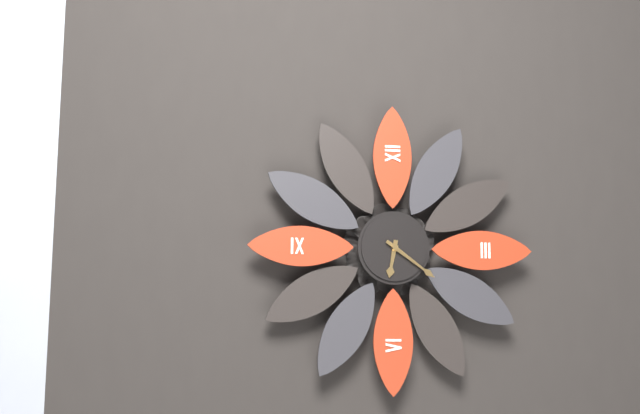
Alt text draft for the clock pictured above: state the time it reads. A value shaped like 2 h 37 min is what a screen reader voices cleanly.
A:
6 h 21 min
